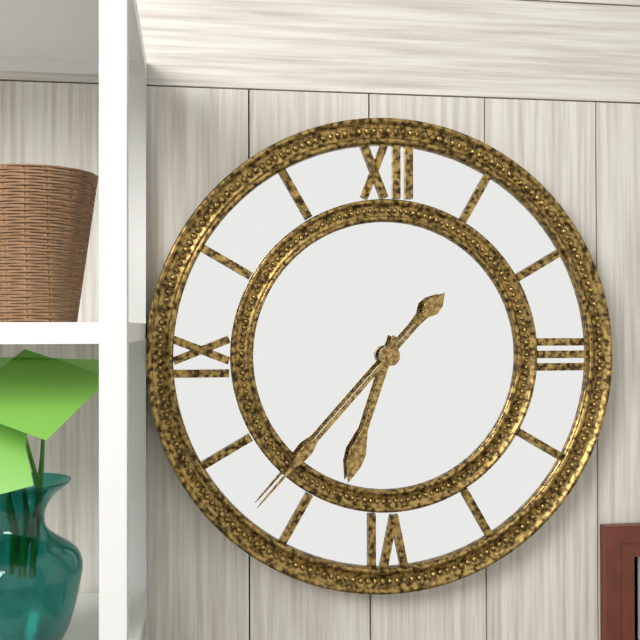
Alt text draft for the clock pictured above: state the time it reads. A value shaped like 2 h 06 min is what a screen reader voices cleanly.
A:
6 h 37 min
